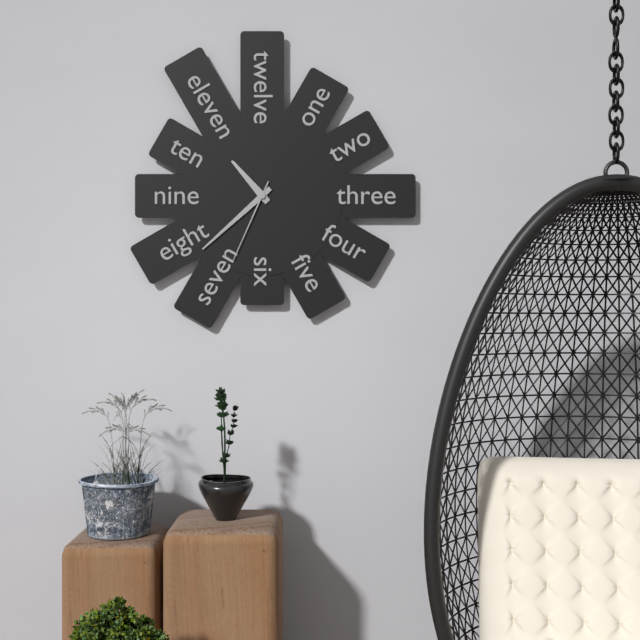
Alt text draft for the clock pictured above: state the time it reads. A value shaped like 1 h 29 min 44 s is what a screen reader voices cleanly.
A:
10 h 38 min 34 s
